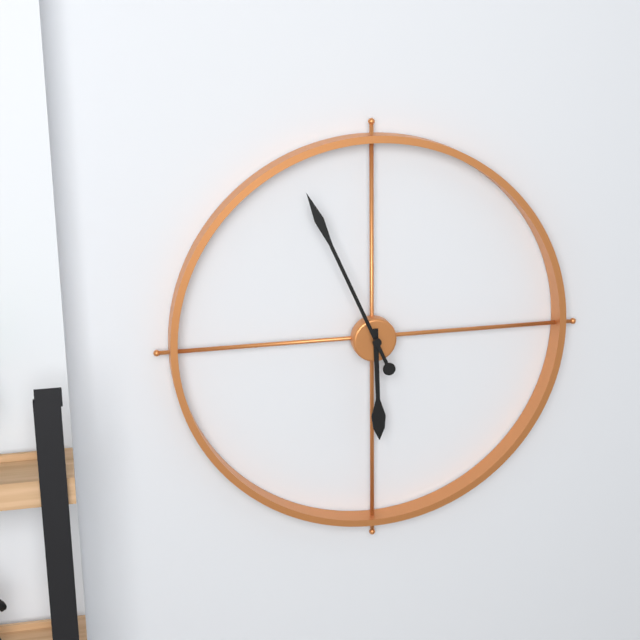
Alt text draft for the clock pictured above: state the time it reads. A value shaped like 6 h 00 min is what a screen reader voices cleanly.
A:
5 h 56 min
